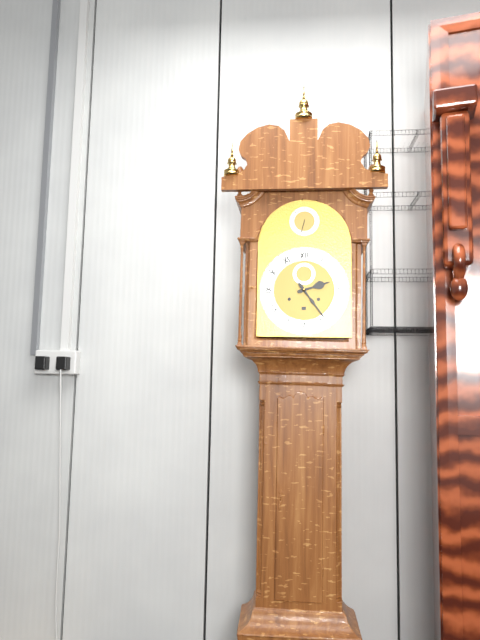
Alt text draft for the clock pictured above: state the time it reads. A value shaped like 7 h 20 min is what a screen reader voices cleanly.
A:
2 h 24 min
